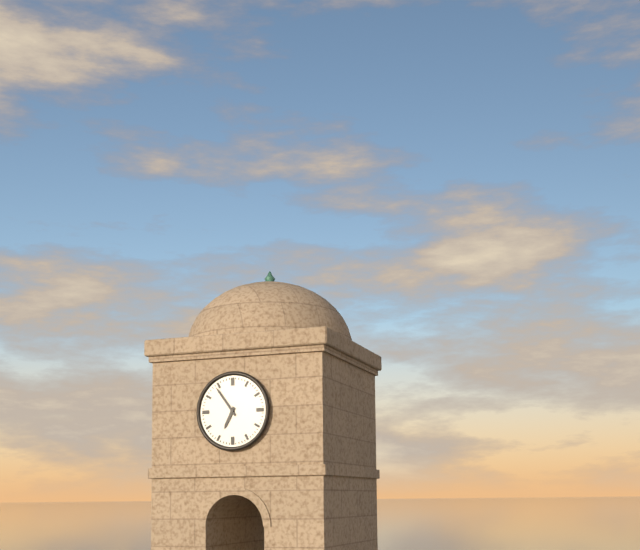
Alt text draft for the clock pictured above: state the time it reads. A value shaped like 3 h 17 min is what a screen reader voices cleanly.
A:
6 h 54 min
